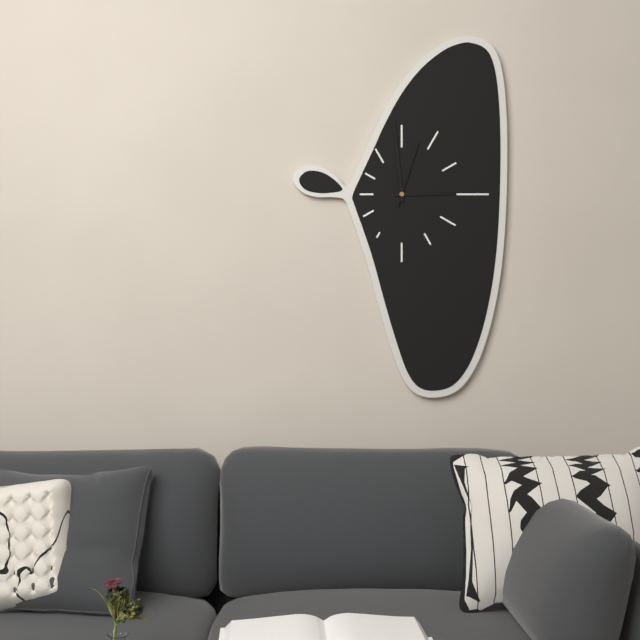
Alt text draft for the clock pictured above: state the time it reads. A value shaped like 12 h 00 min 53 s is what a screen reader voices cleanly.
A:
2 h 59 min 03 s
